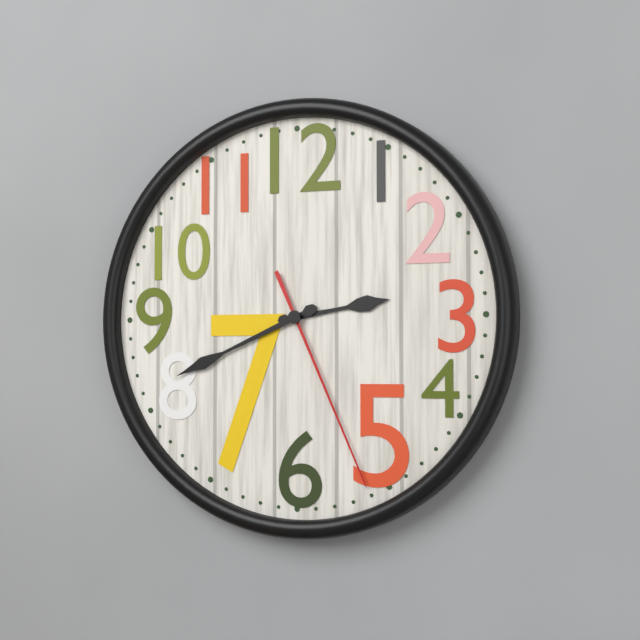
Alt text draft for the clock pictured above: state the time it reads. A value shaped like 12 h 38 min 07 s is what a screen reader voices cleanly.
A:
2 h 41 min 26 s
